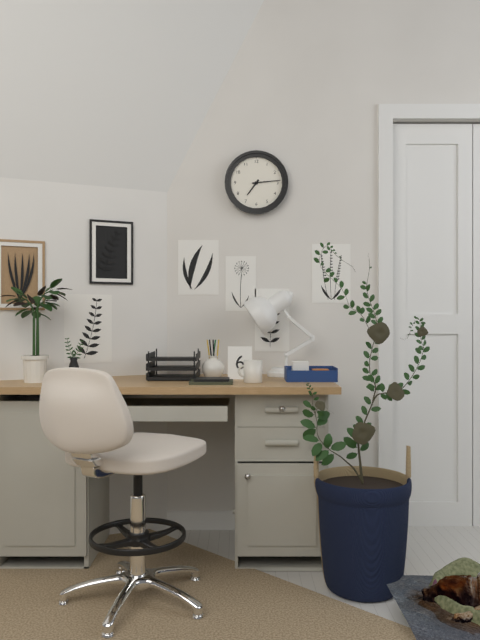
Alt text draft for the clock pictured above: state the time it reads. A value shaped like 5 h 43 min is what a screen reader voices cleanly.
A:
7 h 14 min
